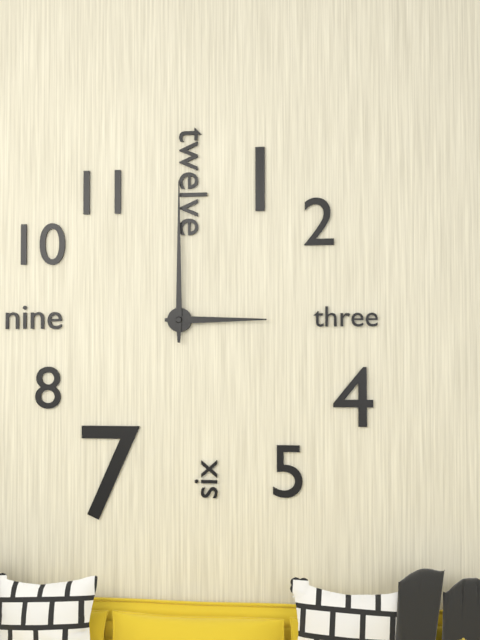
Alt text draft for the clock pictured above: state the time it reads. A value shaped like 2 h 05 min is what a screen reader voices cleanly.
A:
3 h 00 min
